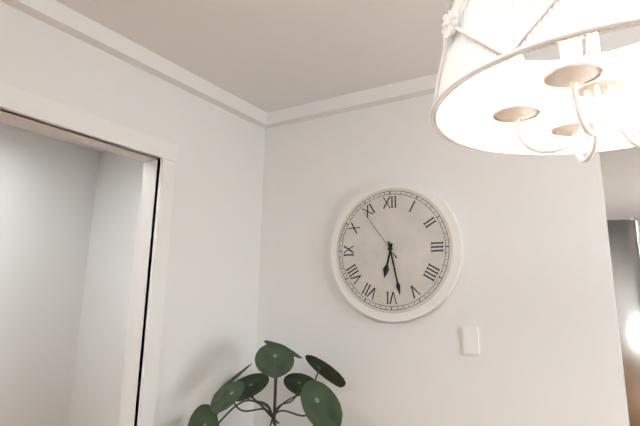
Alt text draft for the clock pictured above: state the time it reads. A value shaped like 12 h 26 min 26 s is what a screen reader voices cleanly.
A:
6 h 28 min 54 s
